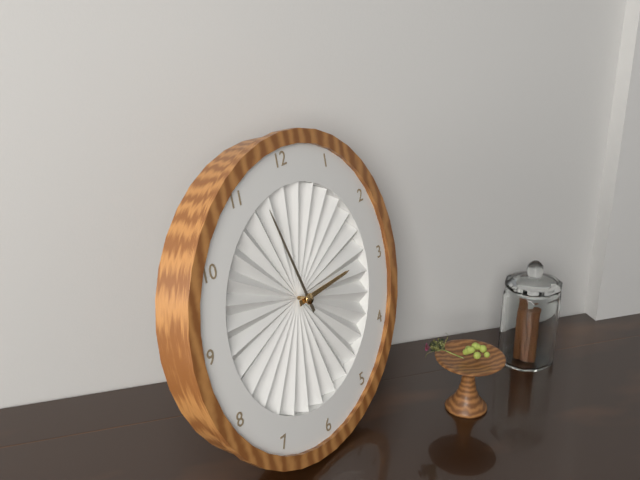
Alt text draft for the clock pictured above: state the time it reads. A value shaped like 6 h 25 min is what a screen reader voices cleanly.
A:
2 h 57 min
